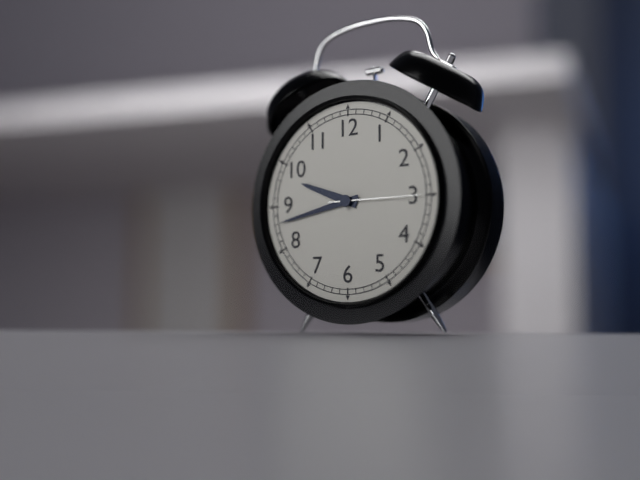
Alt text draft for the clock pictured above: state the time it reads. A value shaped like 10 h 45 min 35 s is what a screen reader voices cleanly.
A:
9 h 43 min 15 s
